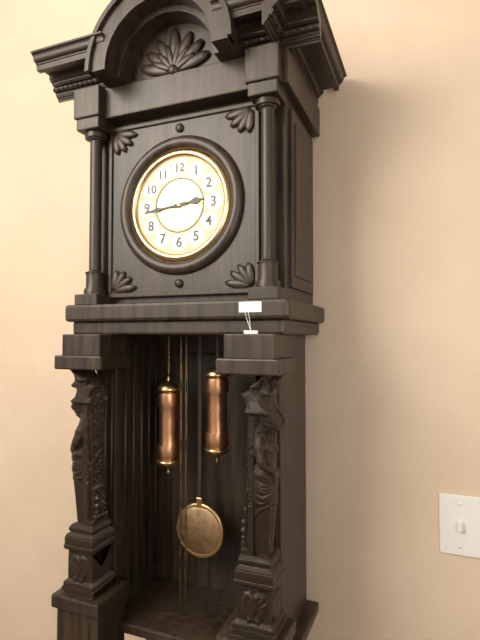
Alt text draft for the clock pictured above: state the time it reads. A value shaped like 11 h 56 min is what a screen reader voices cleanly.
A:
2 h 44 min
